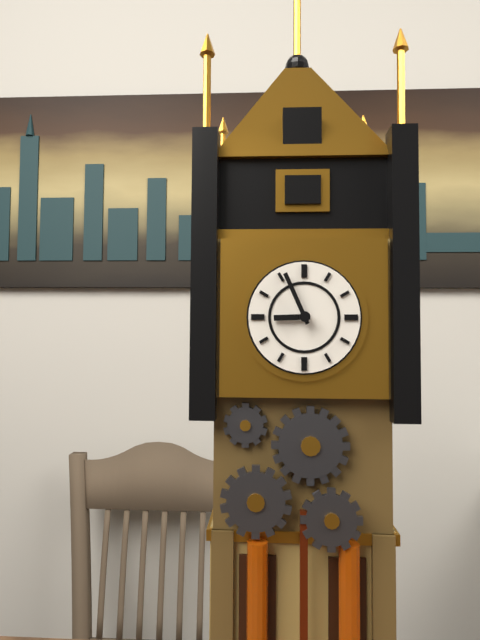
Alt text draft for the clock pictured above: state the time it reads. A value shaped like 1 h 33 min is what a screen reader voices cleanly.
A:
8 h 56 min
